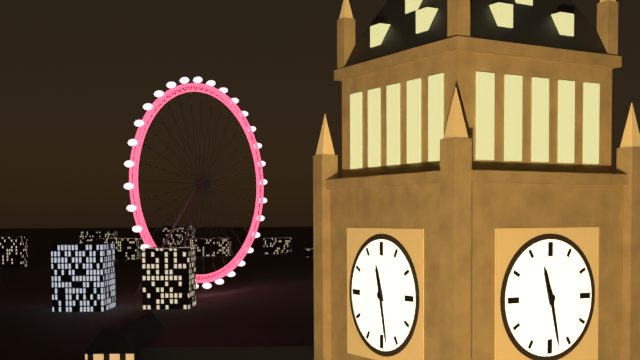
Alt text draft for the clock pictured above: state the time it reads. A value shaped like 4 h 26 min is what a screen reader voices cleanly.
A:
11 h 28 min
